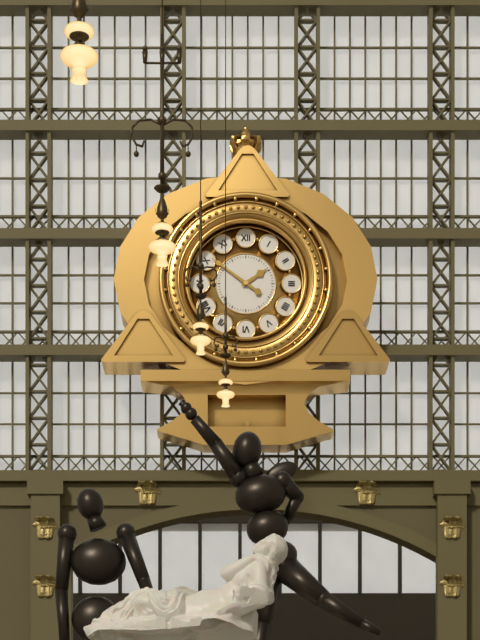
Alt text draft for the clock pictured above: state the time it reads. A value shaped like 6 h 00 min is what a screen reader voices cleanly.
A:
1 h 51 min
